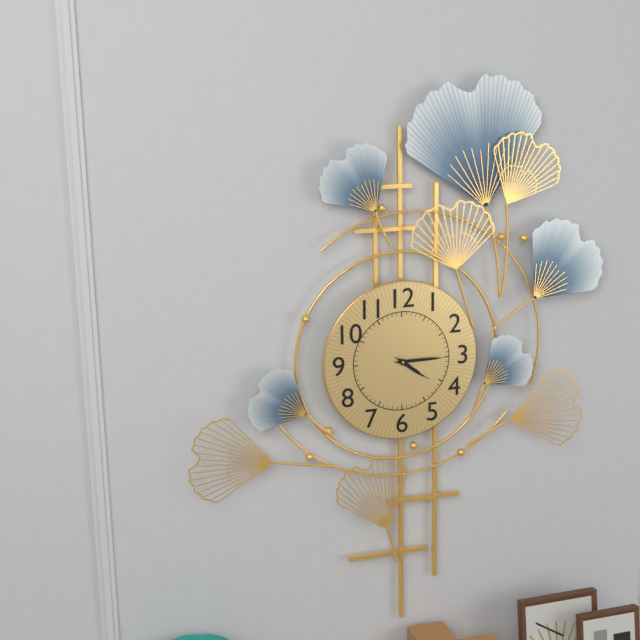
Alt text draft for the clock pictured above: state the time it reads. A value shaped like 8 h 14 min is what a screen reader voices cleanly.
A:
4 h 15 min
